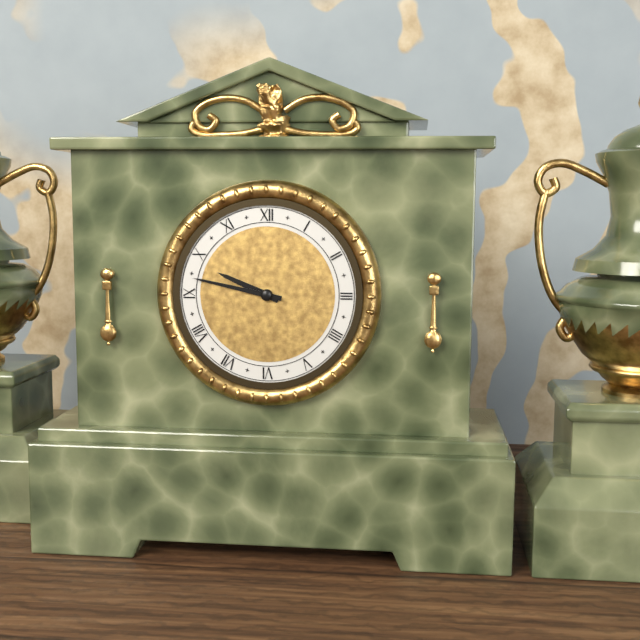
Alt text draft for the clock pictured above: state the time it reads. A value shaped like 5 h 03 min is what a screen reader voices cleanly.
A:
9 h 47 min
